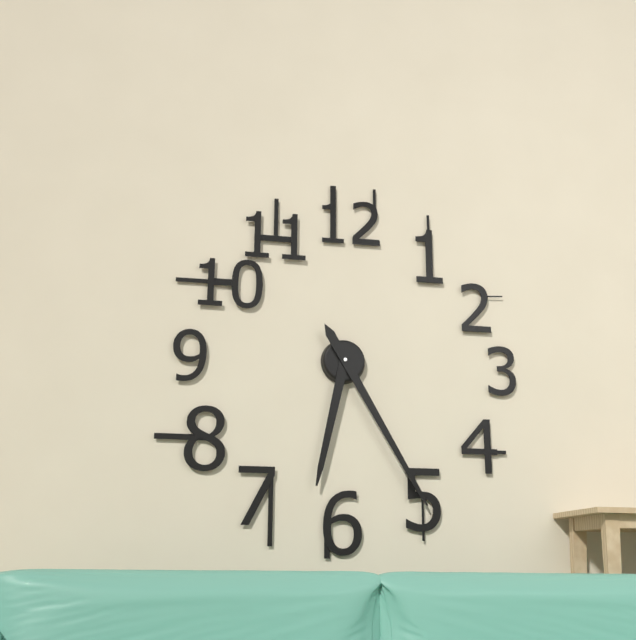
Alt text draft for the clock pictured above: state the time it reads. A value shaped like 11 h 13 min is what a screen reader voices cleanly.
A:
6 h 25 min
